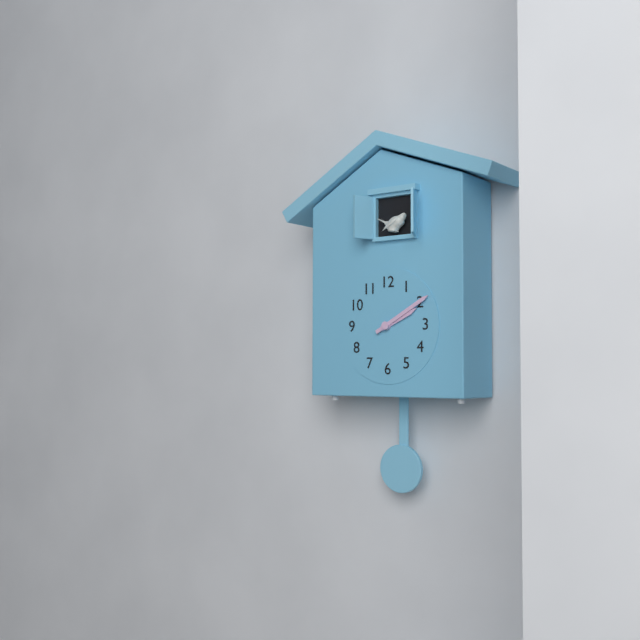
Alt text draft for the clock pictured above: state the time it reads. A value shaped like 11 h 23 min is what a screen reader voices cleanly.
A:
2 h 10 min
